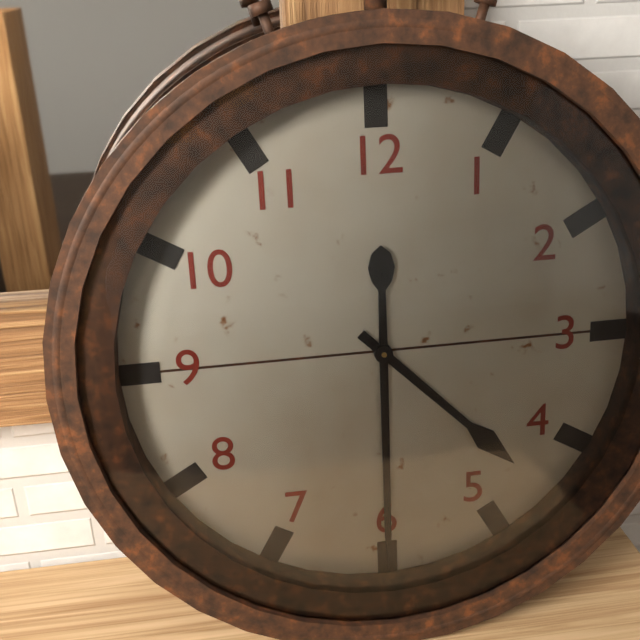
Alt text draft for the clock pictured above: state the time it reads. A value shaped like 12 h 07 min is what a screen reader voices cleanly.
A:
4 h 30 min
